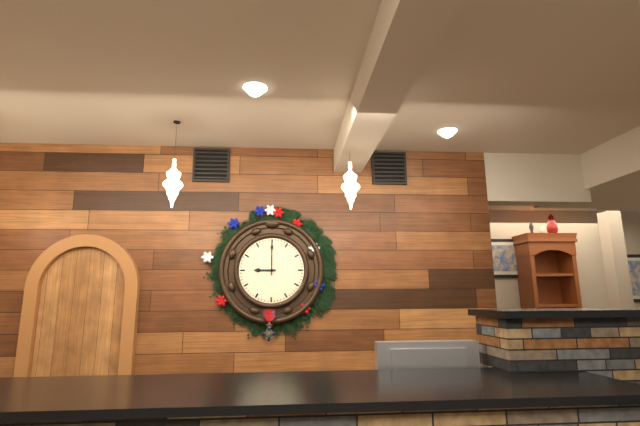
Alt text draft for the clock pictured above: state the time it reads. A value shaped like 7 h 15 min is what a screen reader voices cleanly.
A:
9 h 00 min
